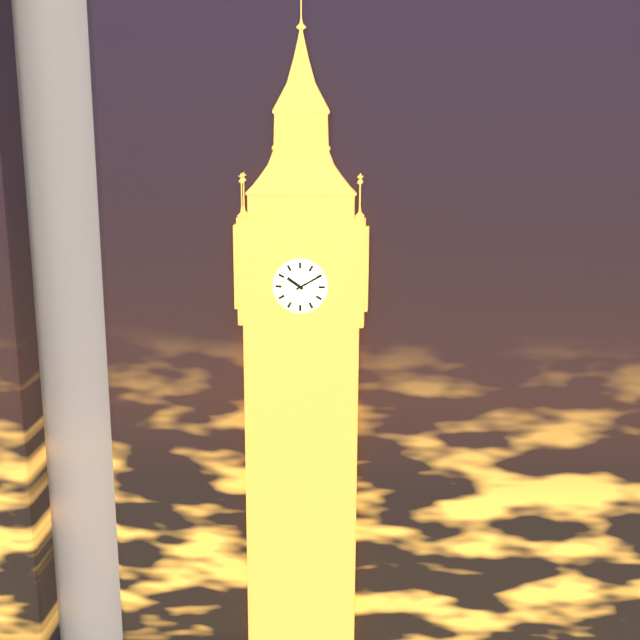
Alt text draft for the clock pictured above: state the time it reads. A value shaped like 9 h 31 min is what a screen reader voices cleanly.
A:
10 h 10 min
